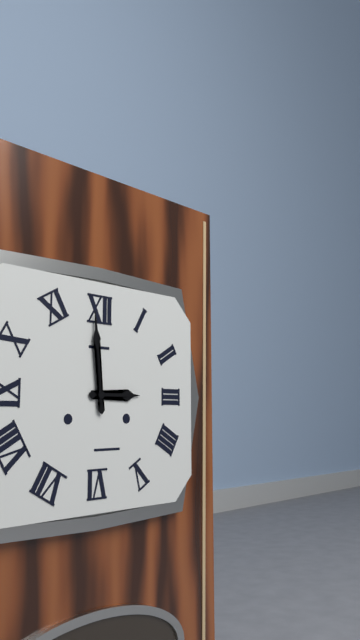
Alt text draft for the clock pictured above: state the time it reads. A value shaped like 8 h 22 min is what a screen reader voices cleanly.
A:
2 h 59 min
